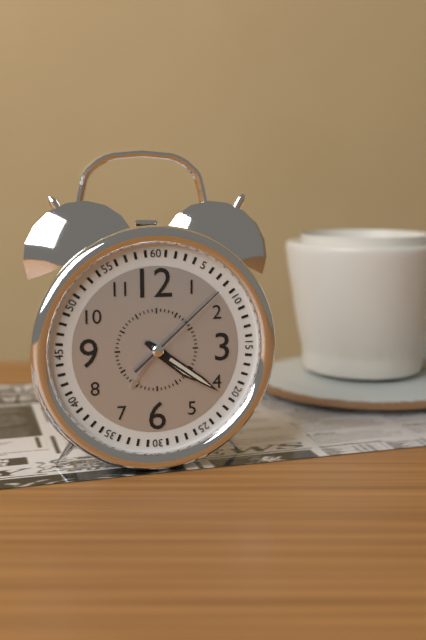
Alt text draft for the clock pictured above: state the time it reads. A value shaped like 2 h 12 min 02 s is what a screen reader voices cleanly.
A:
4 h 21 min 08 s
